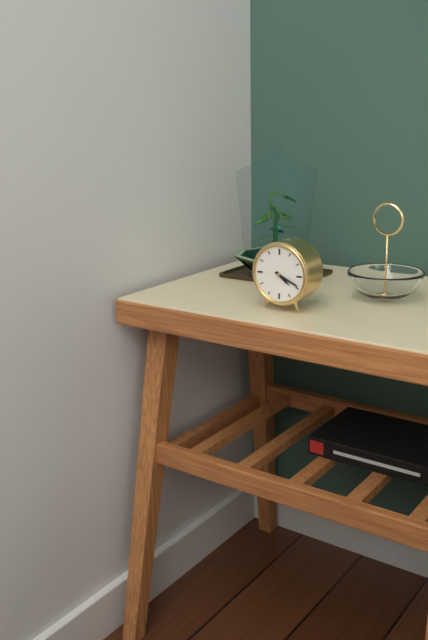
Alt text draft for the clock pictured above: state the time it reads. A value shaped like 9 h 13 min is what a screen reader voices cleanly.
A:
4 h 19 min
